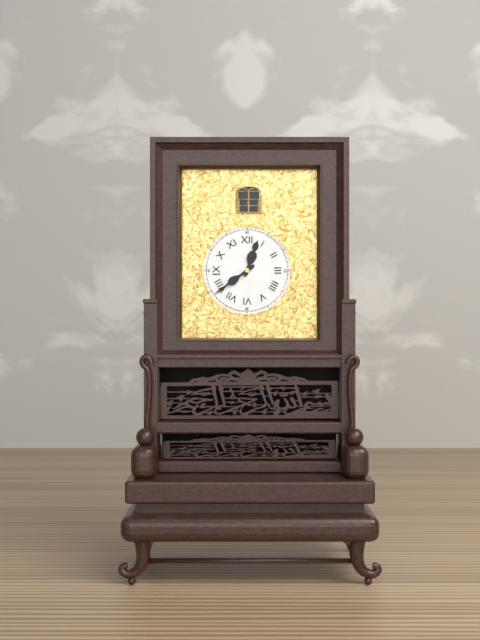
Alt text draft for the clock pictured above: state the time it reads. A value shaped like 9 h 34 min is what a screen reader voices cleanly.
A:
12 h 39 min
